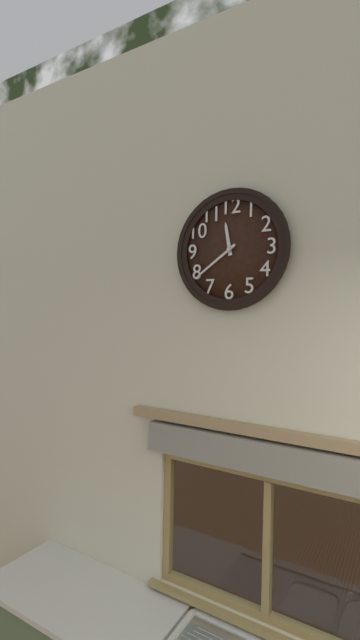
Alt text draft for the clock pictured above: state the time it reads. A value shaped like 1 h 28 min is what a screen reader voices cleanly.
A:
11 h 39 min
